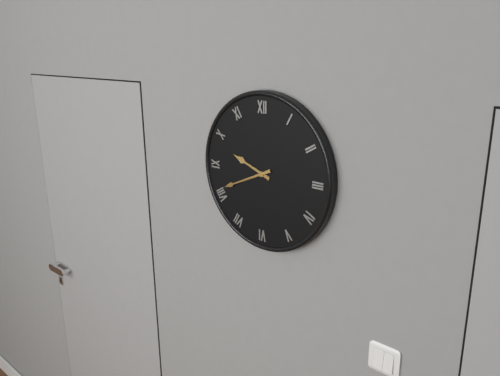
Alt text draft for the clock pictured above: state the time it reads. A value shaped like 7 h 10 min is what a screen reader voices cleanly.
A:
9 h 41 min
